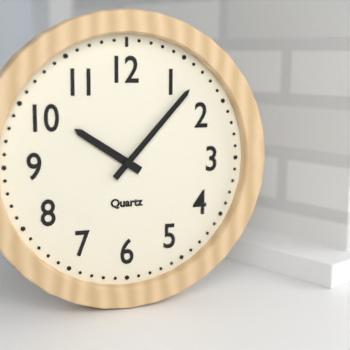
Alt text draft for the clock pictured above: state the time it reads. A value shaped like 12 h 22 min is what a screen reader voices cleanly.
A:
10 h 07 min
